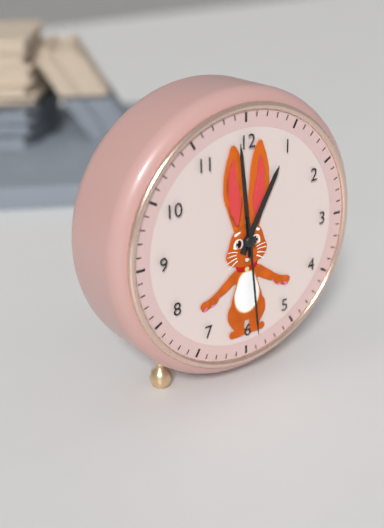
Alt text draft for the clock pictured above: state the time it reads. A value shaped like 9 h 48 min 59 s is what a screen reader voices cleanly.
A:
12 h 59 min 29 s
